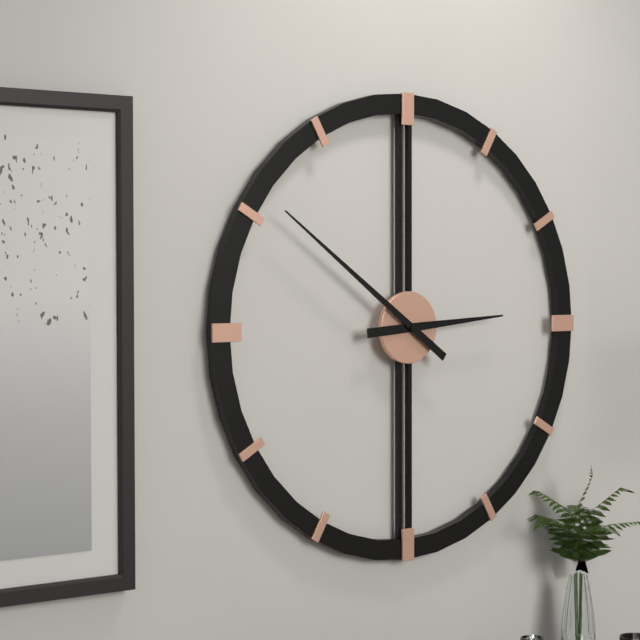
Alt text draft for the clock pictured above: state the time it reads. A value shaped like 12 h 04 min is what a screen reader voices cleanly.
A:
2 h 51 min
